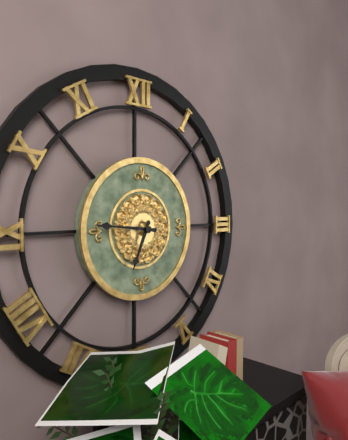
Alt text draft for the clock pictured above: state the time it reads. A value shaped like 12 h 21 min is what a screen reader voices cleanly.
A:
6 h 46 min
